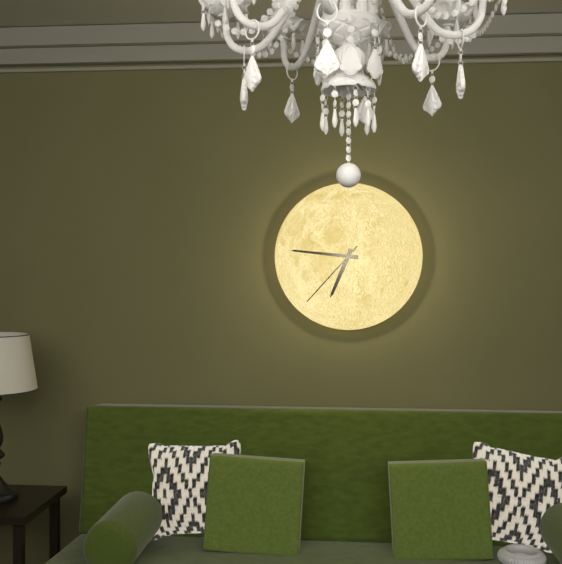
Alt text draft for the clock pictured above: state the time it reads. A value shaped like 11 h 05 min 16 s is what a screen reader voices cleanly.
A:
6 h 46 min 37 s
